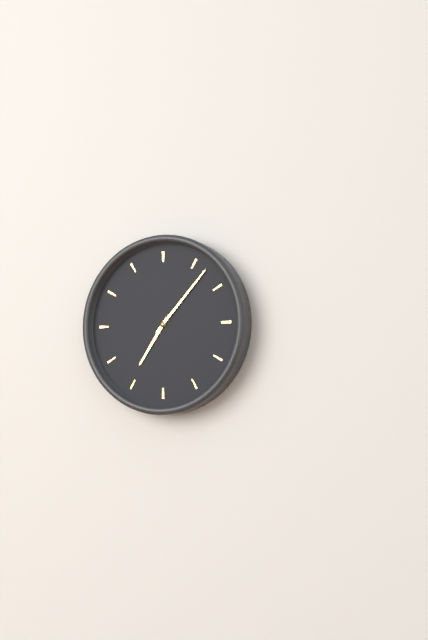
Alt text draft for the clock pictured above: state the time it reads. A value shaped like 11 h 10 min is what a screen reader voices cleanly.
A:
7 h 07 min
